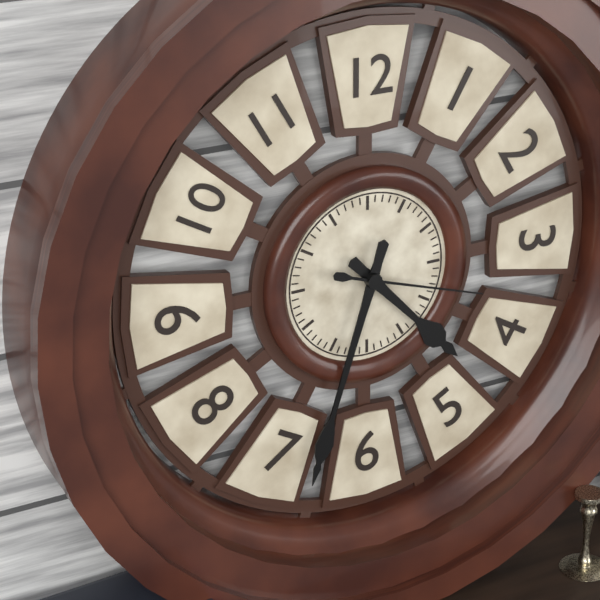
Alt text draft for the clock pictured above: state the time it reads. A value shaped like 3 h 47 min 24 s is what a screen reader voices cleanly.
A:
4 h 33 min 18 s
